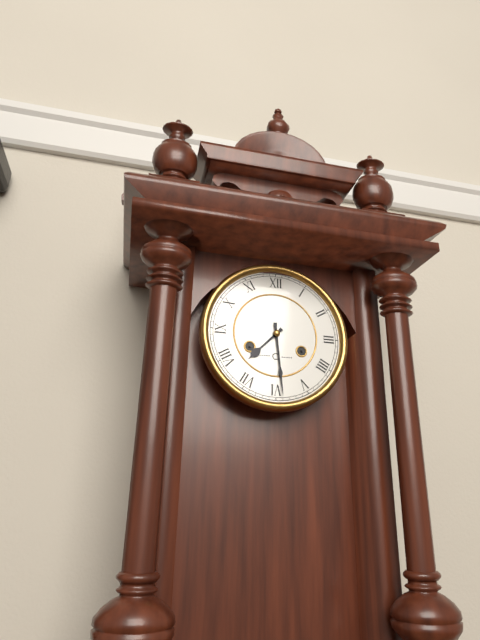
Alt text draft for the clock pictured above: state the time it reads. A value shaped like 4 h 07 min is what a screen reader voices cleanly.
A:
7 h 29 min
